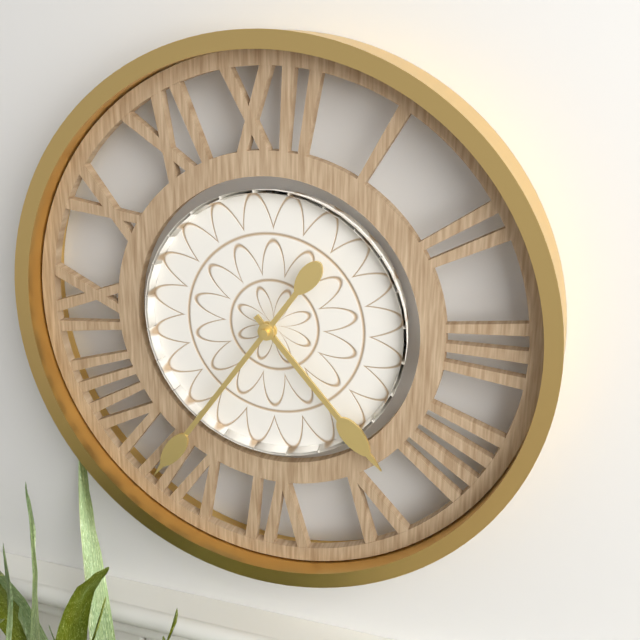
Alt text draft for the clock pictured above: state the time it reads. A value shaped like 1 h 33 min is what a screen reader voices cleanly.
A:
4 h 36 min
